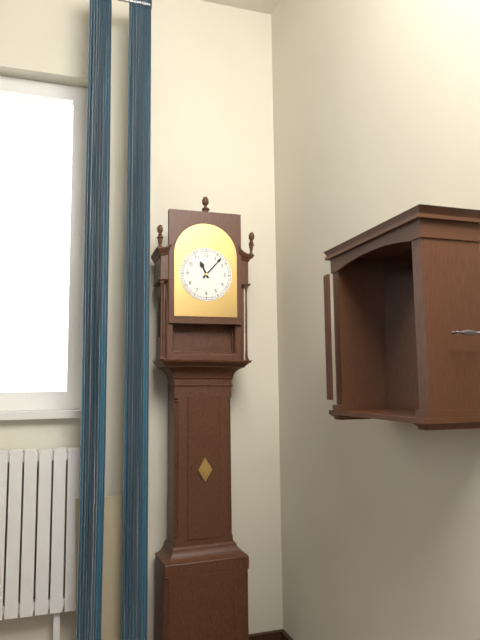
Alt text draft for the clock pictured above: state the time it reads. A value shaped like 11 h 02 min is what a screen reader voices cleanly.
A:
11 h 07 min
